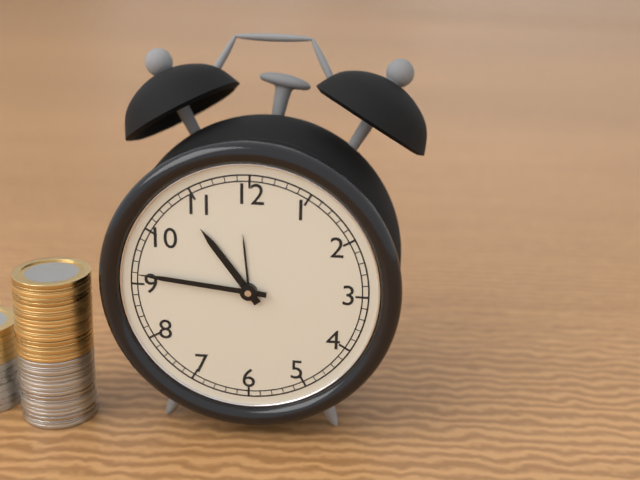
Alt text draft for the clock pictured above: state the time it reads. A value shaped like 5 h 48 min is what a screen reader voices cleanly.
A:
10 h 46 min
